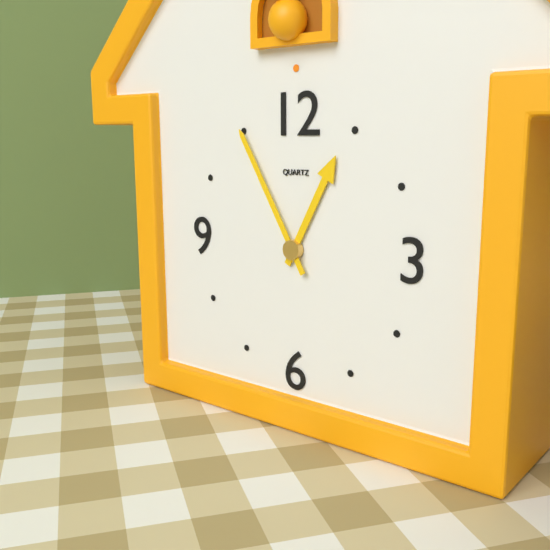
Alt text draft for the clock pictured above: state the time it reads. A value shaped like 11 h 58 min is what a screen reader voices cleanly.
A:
12 h 55 min
